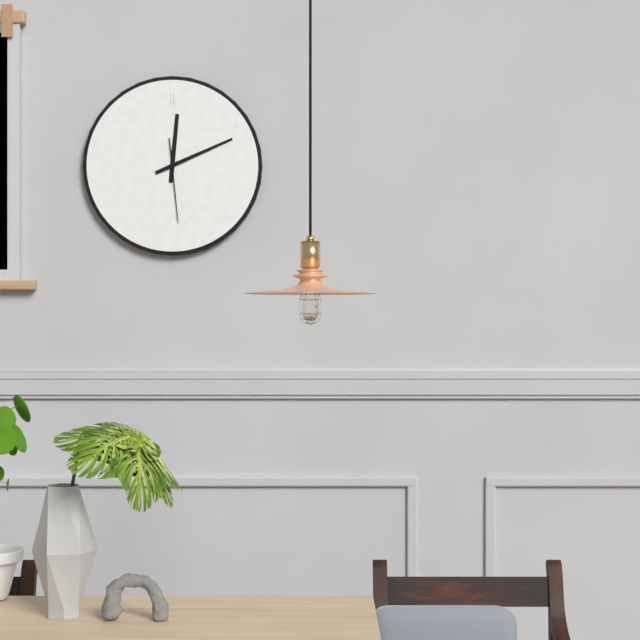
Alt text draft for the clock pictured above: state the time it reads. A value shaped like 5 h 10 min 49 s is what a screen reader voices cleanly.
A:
12 h 11 min 29 s
